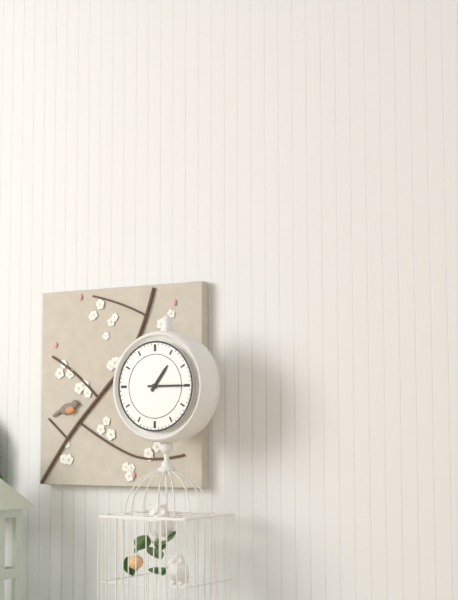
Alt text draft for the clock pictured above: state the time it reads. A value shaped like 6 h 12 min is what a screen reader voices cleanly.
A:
1 h 15 min
